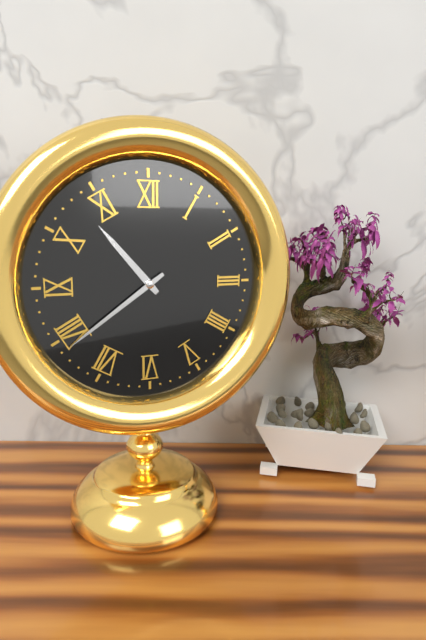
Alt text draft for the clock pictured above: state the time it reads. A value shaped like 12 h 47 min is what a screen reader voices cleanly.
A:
10 h 39 min
